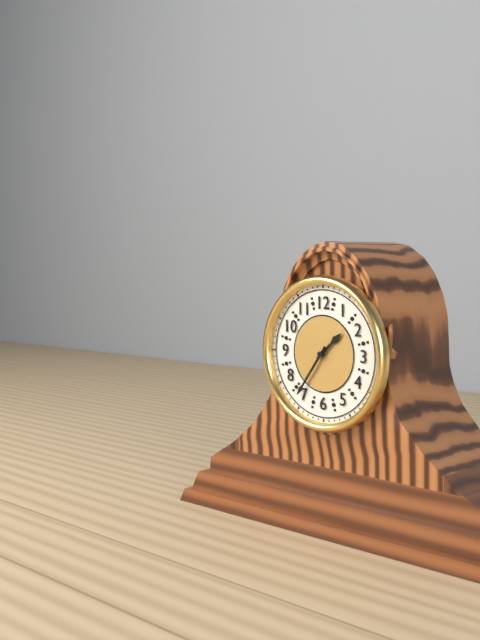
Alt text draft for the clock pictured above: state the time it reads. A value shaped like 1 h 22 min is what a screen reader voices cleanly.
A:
1 h 36 min
